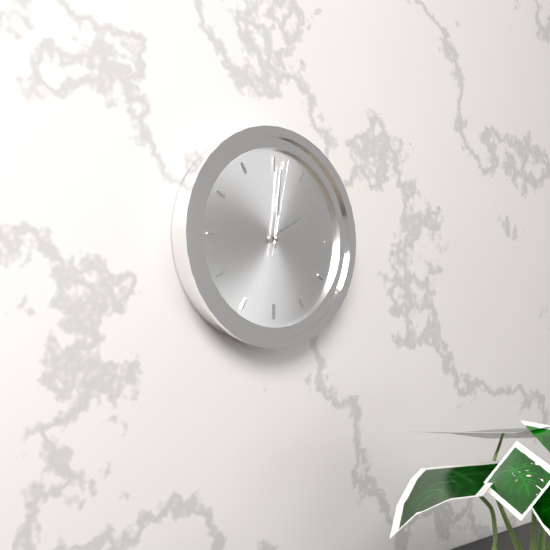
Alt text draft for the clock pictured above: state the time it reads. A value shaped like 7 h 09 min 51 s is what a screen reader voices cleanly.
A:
2 h 01 min 02 s
